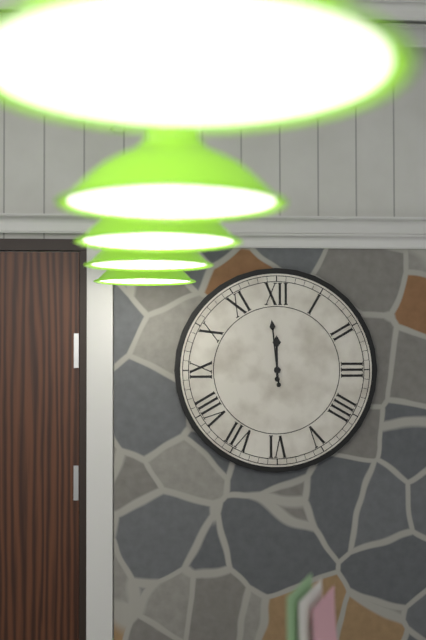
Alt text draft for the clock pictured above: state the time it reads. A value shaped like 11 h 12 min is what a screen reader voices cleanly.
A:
11 h 59 min
